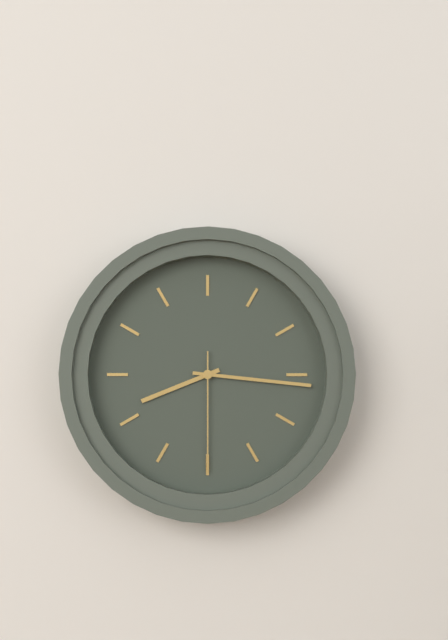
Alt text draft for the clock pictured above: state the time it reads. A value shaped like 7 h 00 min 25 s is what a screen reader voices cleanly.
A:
8 h 16 min 30 s
